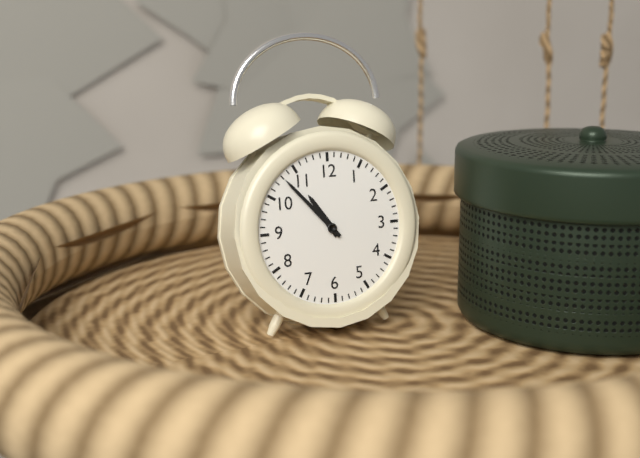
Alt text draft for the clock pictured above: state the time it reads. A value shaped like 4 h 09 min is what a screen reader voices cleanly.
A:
10 h 53 min
